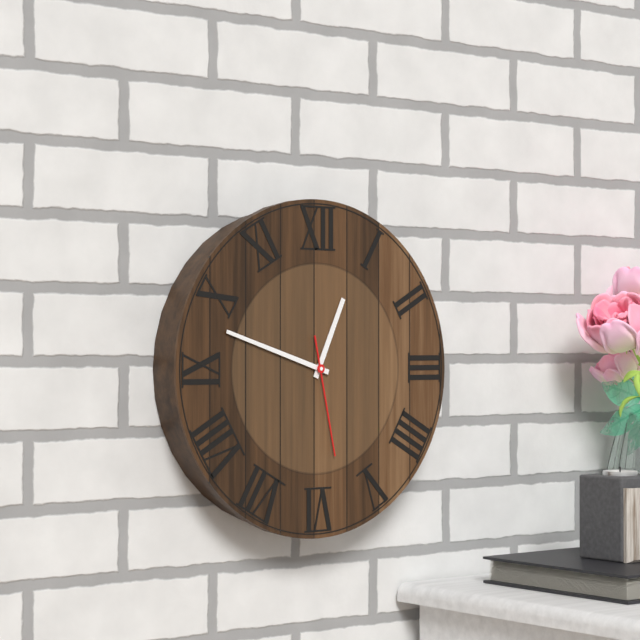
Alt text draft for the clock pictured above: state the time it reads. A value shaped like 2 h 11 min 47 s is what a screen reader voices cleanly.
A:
12 h 48 min 28 s
